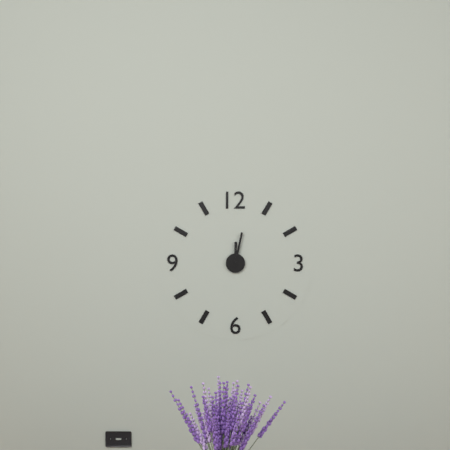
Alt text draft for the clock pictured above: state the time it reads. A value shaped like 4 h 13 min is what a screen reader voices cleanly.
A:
12 h 02 min
